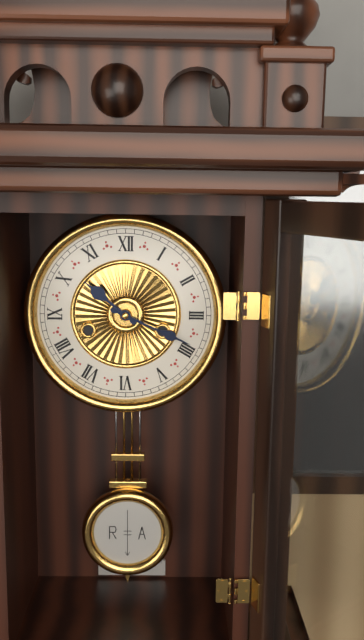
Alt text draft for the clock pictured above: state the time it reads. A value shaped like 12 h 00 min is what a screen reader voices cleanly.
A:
10 h 19 min
